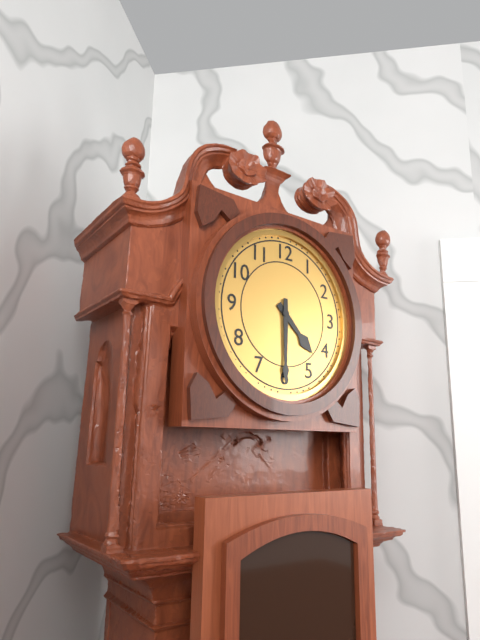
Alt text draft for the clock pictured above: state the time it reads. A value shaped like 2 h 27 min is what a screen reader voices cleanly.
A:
4 h 30 min
